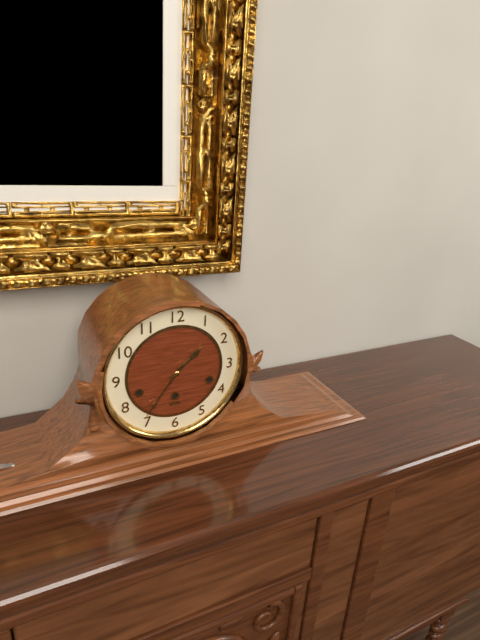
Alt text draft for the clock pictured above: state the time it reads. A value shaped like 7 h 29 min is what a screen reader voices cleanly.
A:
1 h 36 min
